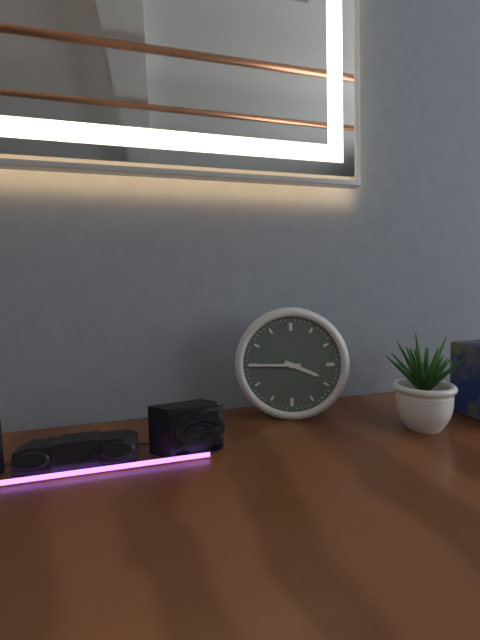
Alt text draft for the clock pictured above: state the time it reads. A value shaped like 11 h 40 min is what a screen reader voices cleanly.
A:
3 h 45 min
